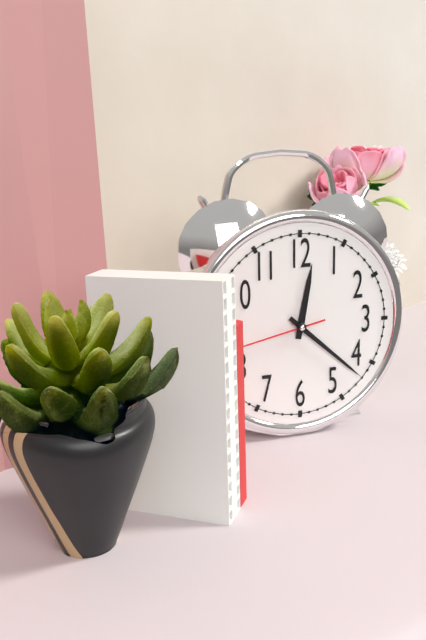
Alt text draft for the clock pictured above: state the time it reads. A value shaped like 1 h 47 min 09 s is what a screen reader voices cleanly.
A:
12 h 22 min 43 s
